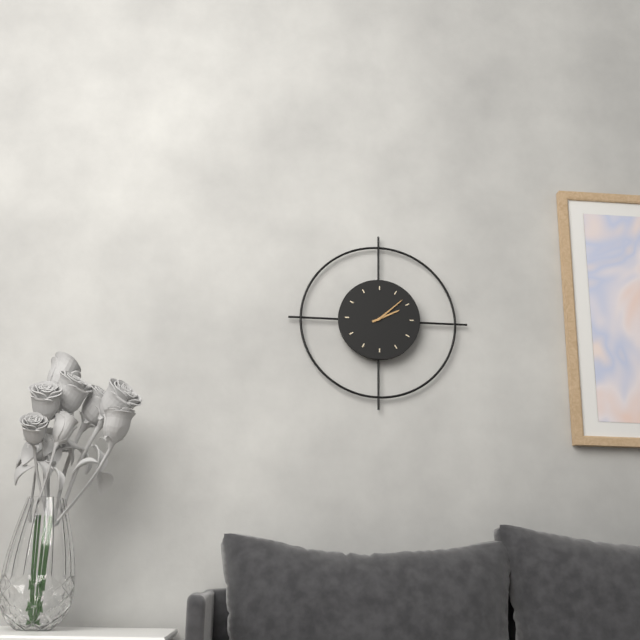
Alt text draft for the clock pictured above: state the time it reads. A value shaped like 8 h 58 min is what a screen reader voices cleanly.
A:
2 h 08 min
